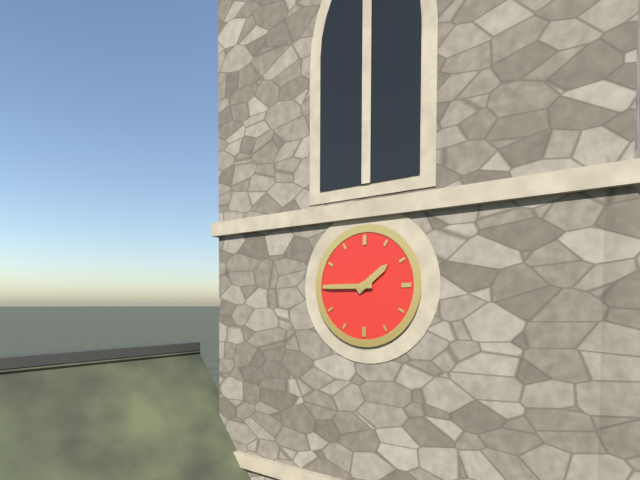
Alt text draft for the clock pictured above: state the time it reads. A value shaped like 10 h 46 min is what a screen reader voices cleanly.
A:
1 h 45 min
